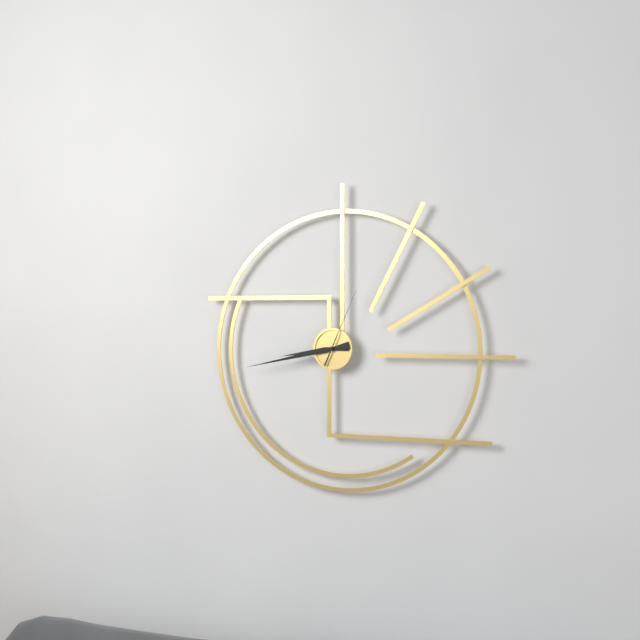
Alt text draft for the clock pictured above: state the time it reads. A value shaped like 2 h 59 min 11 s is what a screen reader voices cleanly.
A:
8 h 43 min 04 s
